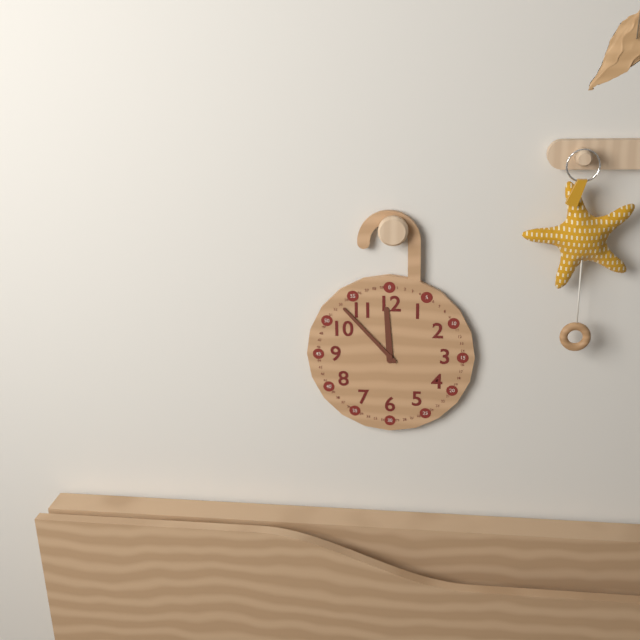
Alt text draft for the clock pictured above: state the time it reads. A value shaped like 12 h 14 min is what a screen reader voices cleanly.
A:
11 h 53 min
